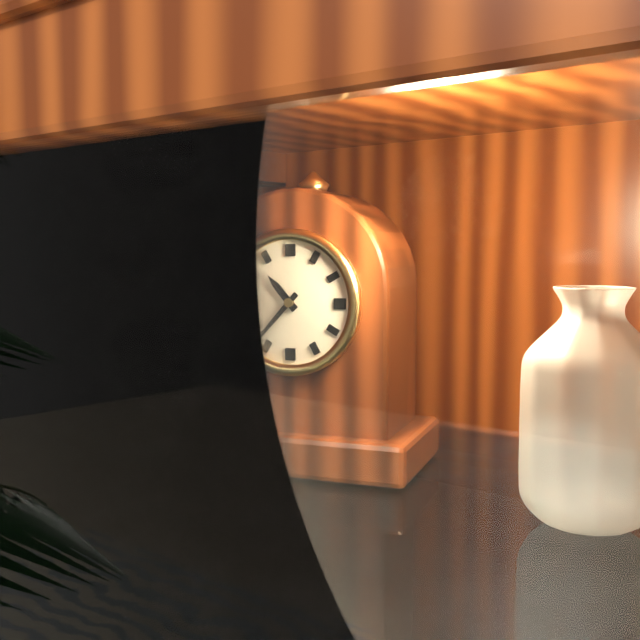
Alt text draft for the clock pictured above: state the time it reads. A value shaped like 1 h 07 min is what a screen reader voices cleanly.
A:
10 h 37 min
